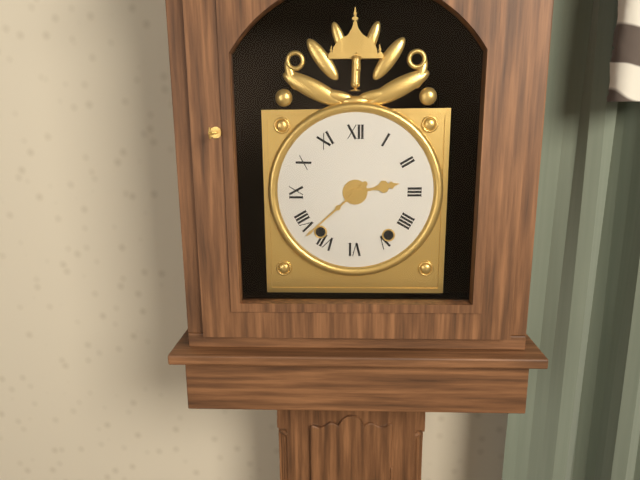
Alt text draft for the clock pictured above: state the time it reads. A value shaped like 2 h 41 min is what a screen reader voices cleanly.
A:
2 h 38 min
